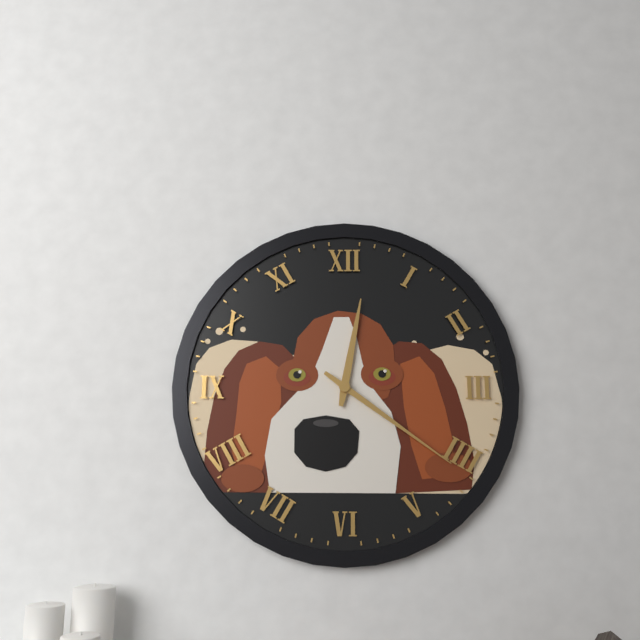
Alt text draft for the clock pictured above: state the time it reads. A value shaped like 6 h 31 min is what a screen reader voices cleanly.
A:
12 h 21 min
